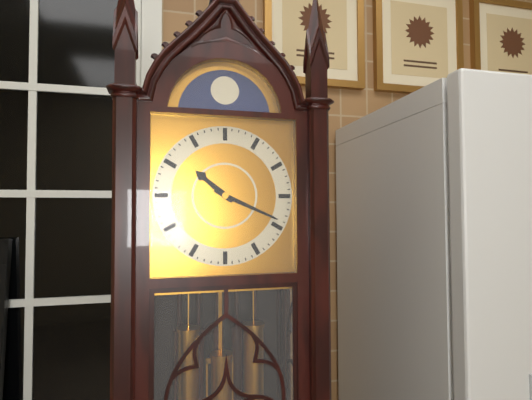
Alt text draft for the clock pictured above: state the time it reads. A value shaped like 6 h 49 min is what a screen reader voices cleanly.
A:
10 h 19 min
